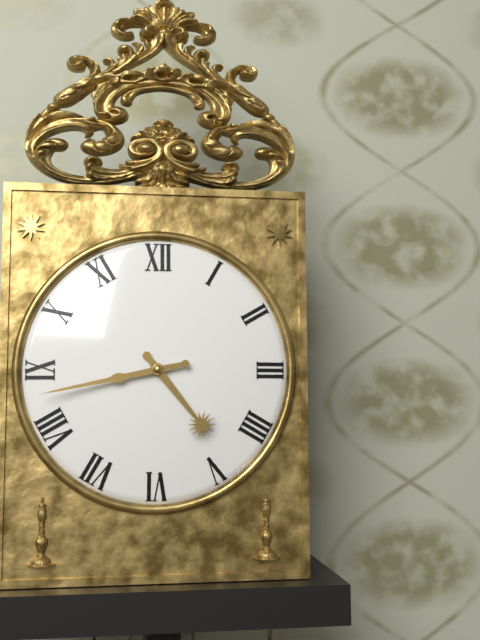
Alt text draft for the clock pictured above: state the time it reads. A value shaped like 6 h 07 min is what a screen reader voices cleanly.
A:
4 h 43 min
